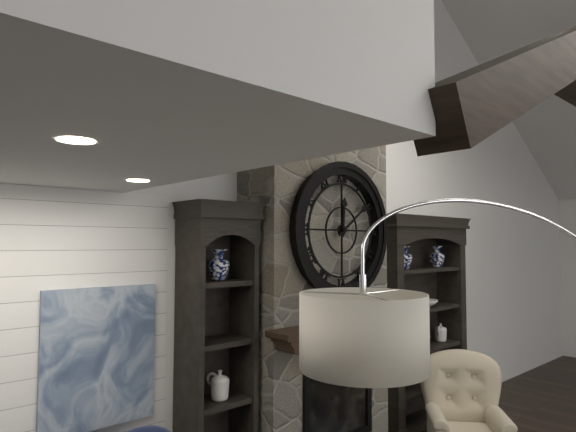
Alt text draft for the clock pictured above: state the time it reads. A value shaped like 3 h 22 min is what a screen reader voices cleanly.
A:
12 h 09 min
